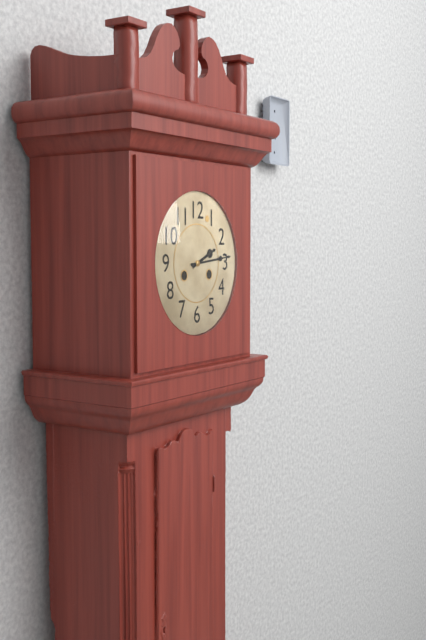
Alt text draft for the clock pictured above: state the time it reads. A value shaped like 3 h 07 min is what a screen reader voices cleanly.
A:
2 h 14 min
